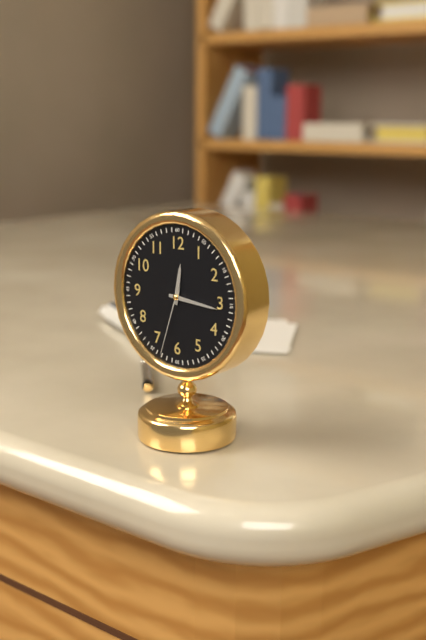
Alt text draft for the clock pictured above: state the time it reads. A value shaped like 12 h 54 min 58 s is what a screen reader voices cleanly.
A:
12 h 16 min 33 s
